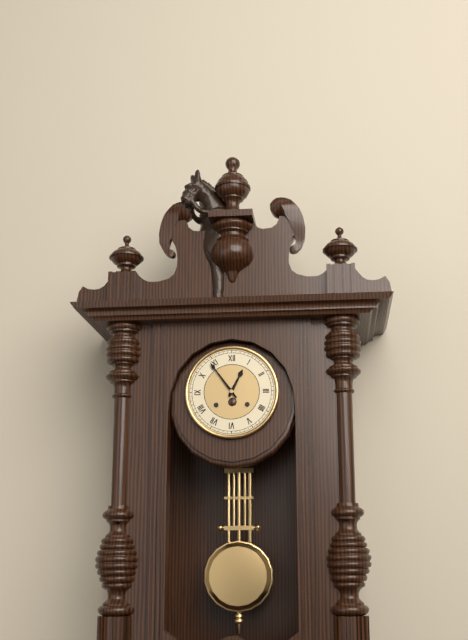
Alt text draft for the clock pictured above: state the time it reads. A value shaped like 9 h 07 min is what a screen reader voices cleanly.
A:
12 h 54 min
